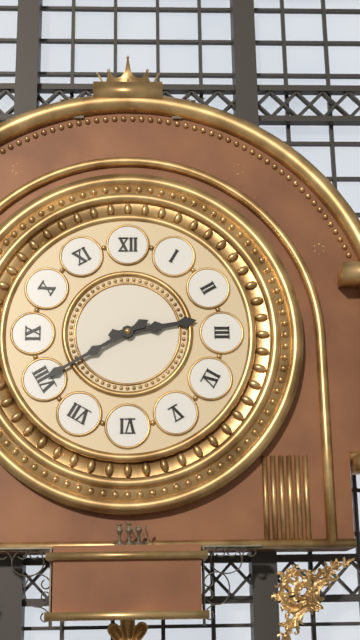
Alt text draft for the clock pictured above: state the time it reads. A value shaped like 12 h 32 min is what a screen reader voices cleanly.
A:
2 h 40 min
